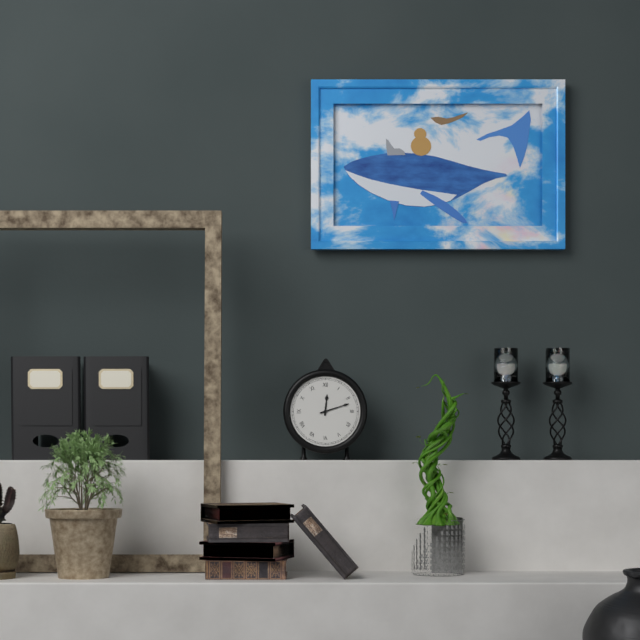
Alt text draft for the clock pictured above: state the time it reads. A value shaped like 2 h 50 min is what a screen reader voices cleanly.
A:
12 h 12 min
